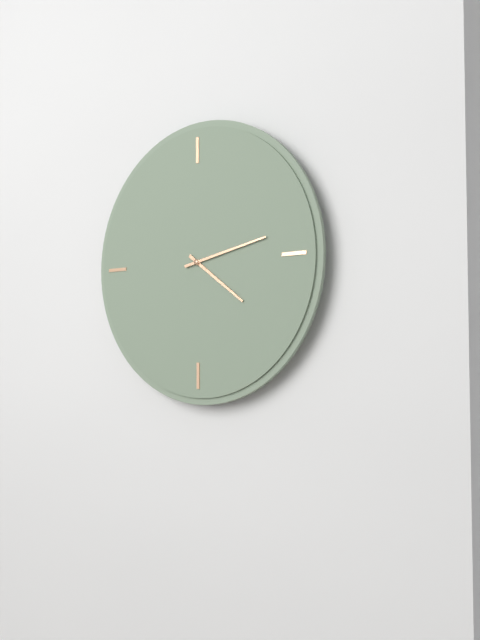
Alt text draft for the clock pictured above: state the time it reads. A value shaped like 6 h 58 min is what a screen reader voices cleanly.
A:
4 h 13 min
